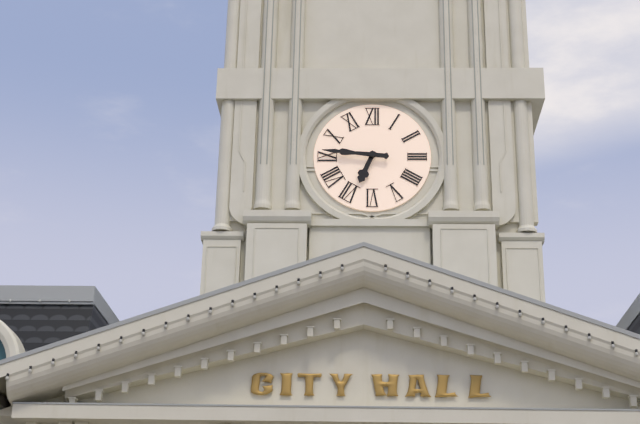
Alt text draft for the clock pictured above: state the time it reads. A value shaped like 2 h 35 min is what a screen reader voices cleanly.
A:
6 h 46 min
